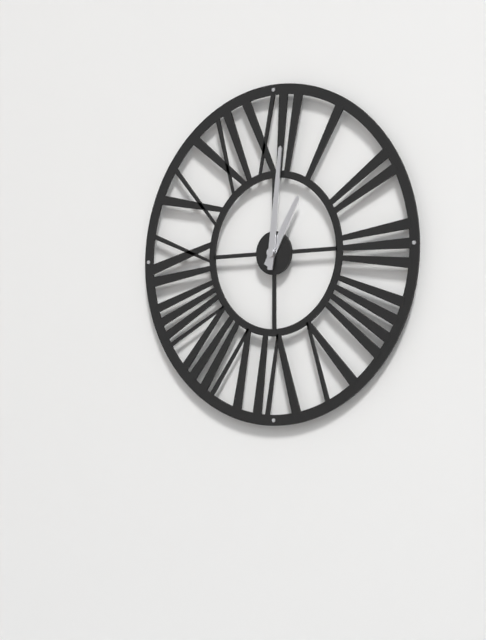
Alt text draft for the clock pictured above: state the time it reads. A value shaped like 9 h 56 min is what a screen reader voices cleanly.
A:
1 h 01 min
